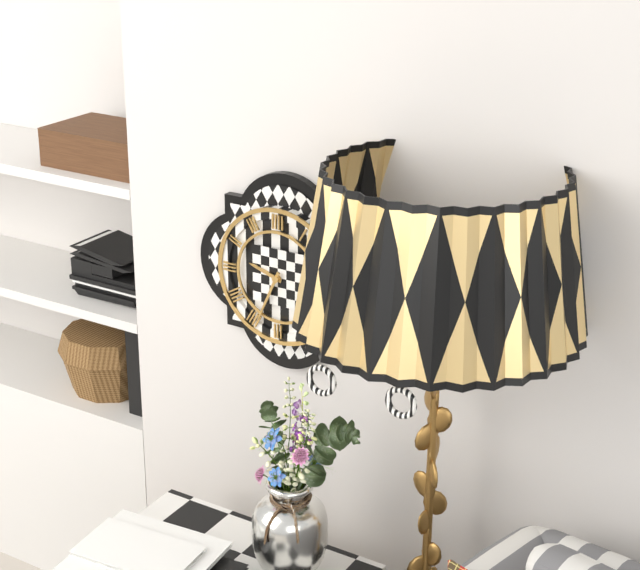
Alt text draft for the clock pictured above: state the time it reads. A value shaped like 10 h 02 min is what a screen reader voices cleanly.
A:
9 h 34 min
